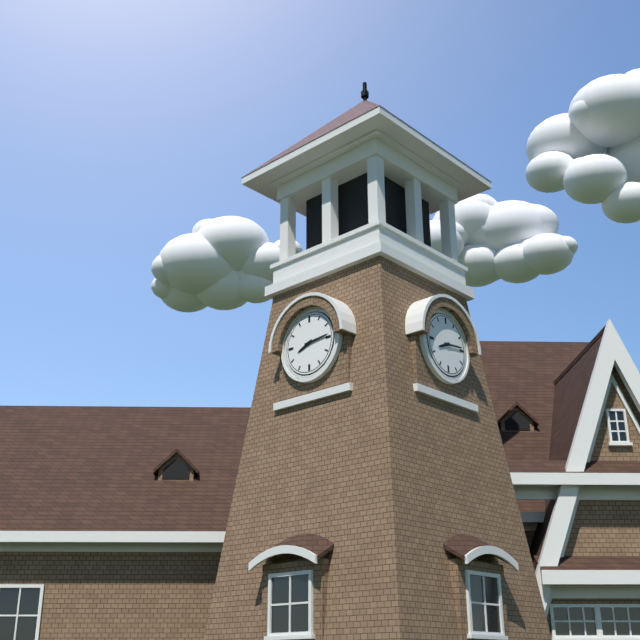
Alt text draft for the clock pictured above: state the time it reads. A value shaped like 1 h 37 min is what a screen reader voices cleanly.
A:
8 h 14 min
